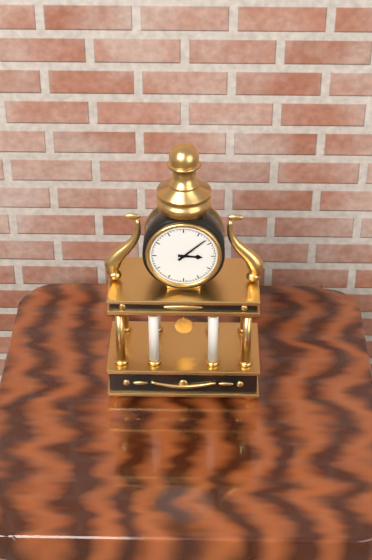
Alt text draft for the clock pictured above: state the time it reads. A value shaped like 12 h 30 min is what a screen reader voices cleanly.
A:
3 h 08 min
